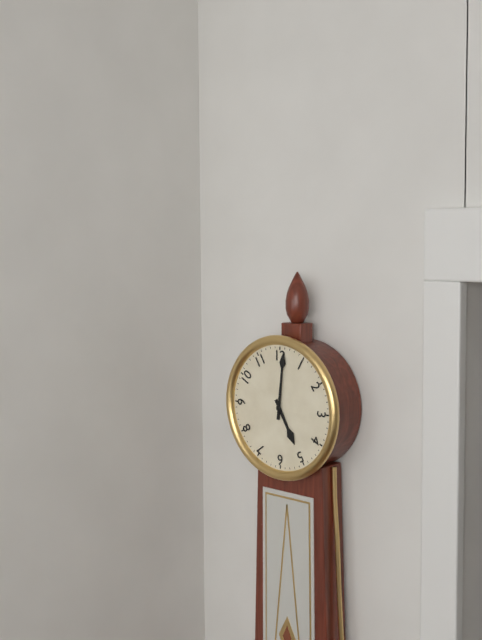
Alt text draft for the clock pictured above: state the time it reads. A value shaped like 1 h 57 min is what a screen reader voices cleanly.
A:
5 h 01 min
